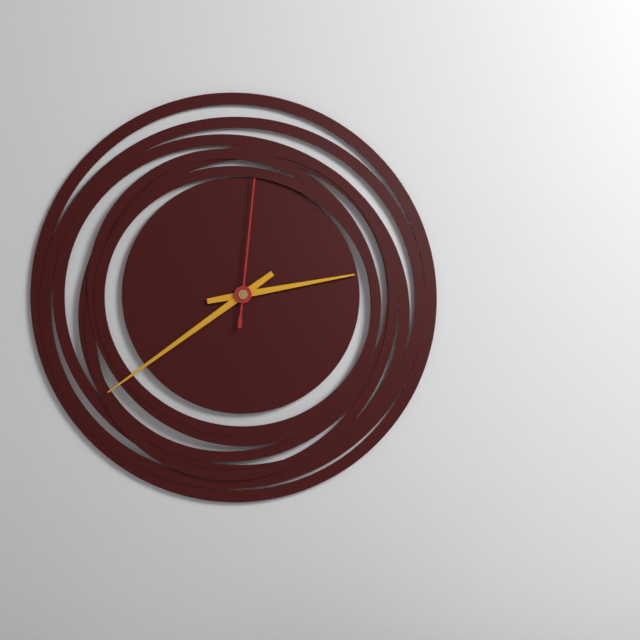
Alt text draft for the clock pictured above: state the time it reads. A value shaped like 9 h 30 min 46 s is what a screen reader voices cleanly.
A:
2 h 39 min 01 s
